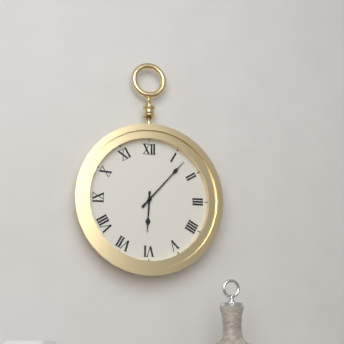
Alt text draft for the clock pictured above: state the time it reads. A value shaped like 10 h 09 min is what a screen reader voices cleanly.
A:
6 h 07 min
